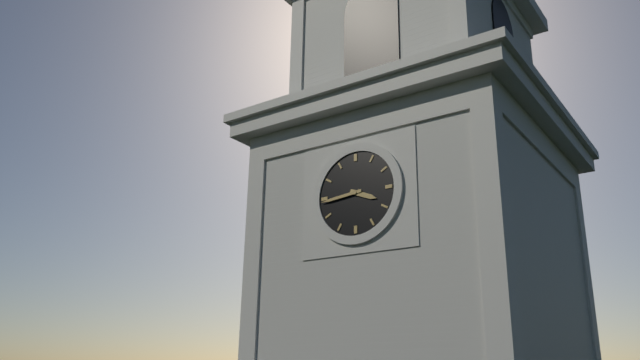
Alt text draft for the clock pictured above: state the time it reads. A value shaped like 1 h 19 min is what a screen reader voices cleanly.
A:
3 h 44 min
